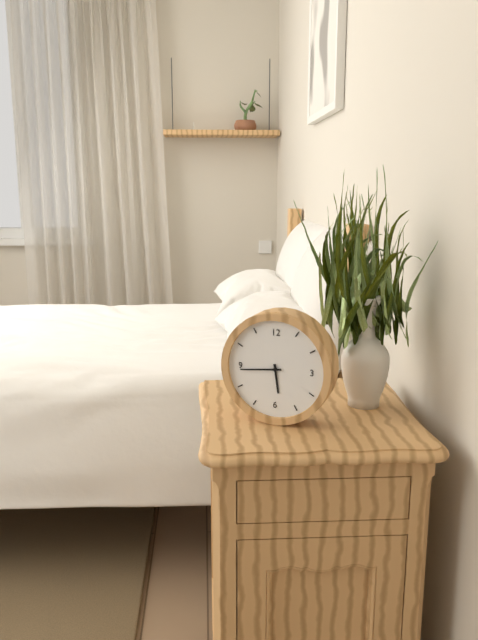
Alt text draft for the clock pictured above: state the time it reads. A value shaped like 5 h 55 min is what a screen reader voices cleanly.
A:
5 h 44 min
